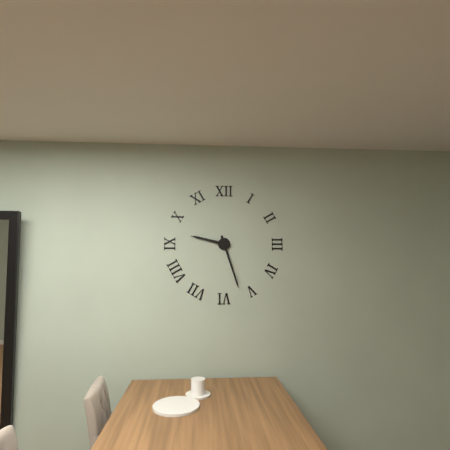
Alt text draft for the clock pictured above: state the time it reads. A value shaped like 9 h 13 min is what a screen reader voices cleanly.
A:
9 h 27 min
